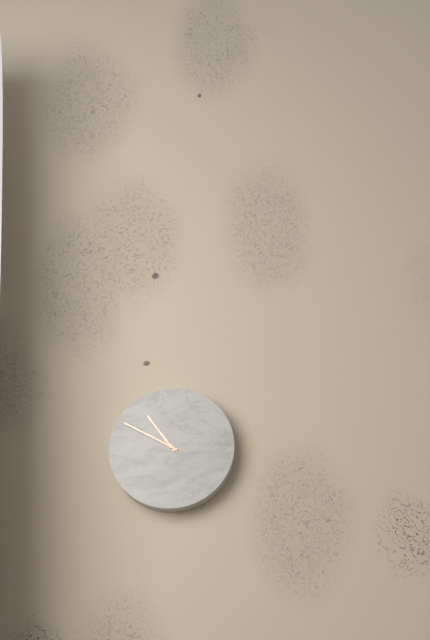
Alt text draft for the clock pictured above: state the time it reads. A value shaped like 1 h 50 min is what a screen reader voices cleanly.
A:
10 h 50 min
